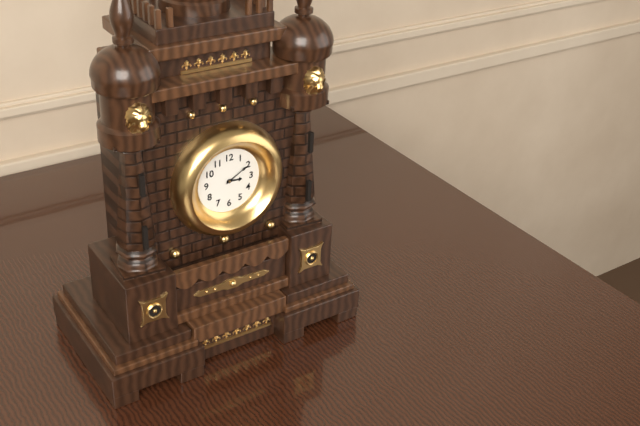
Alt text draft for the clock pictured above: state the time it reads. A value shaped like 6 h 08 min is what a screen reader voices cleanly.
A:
3 h 10 min
